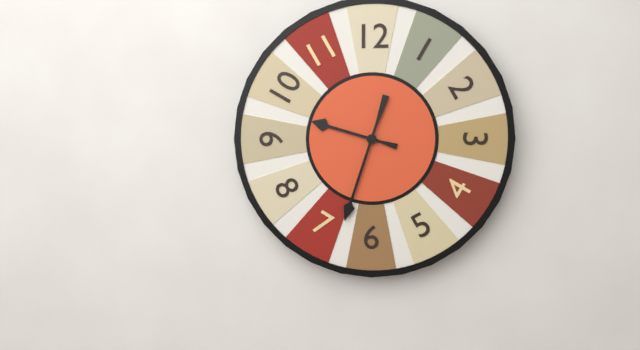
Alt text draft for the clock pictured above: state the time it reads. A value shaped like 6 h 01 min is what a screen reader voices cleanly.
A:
9 h 33 min
